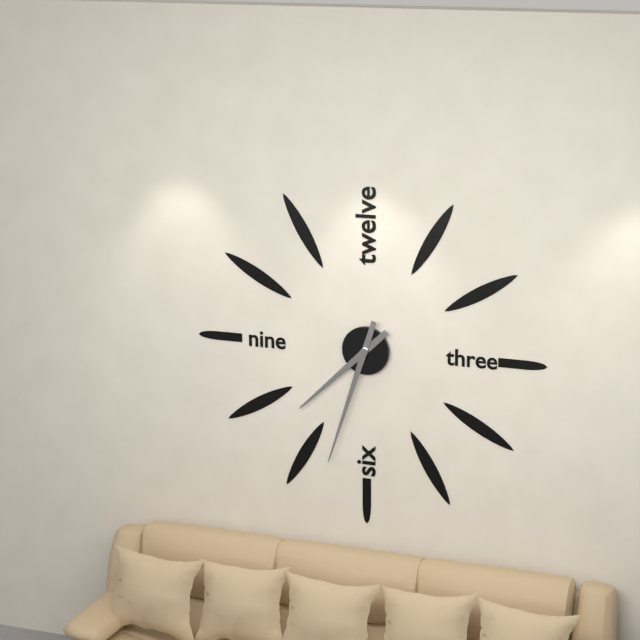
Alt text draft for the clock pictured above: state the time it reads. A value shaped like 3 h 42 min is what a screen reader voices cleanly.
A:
7 h 33 min
